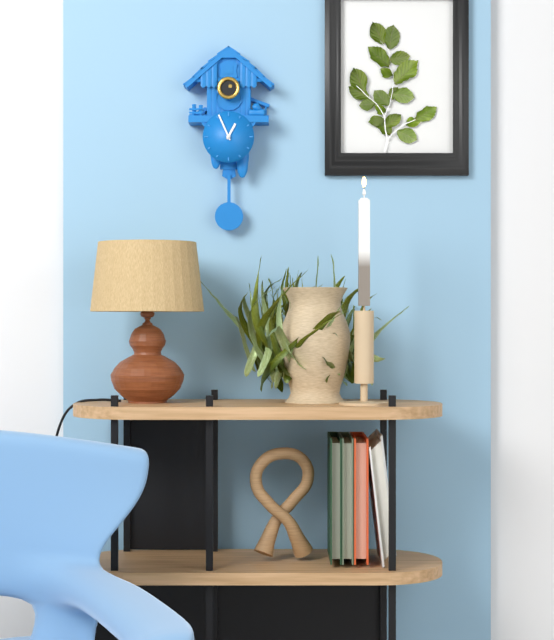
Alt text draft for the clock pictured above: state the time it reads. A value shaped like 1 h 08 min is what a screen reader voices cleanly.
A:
12 h 56 min
